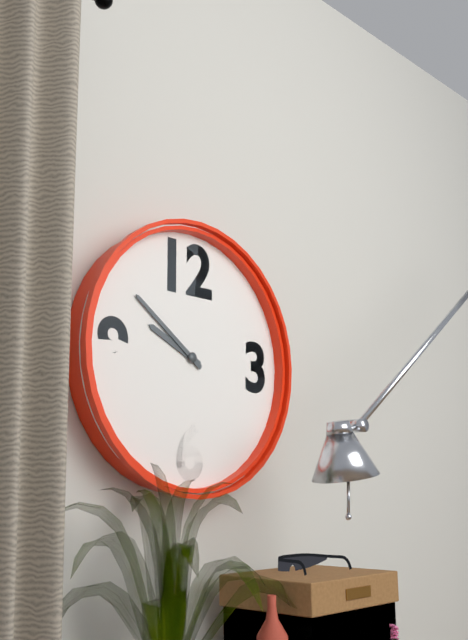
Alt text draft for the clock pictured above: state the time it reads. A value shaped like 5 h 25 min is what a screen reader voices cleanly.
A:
9 h 51 min
